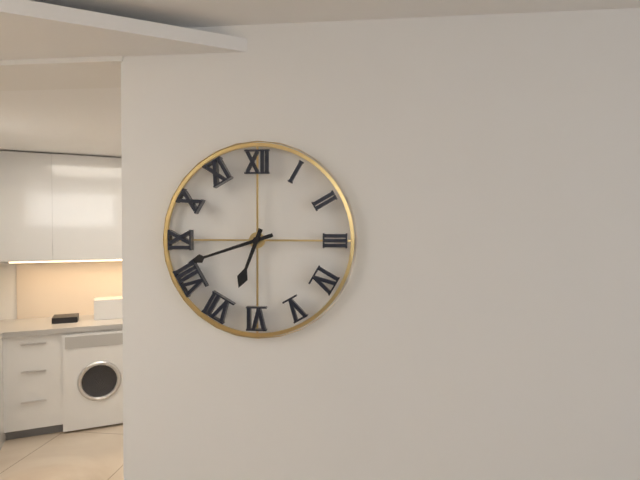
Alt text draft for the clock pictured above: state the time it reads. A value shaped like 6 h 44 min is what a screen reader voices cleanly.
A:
6 h 42 min
